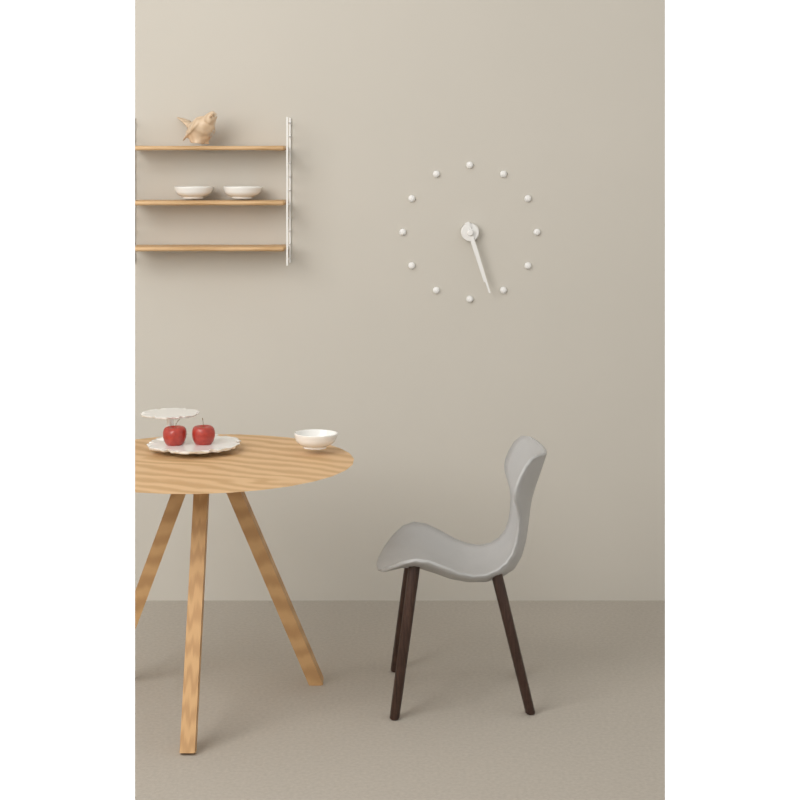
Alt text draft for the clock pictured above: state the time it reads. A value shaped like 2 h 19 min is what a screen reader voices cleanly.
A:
5 h 27 min
